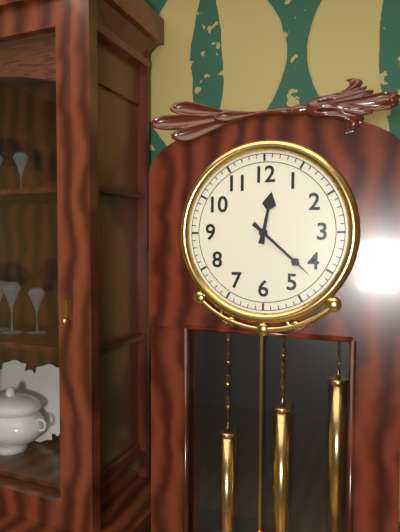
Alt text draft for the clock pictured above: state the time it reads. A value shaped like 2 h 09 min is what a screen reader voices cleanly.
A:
12 h 22 min
